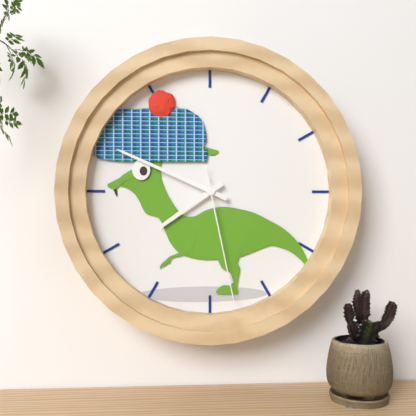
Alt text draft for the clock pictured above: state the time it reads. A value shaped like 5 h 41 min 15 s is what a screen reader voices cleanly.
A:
7 h 49 min 28 s
